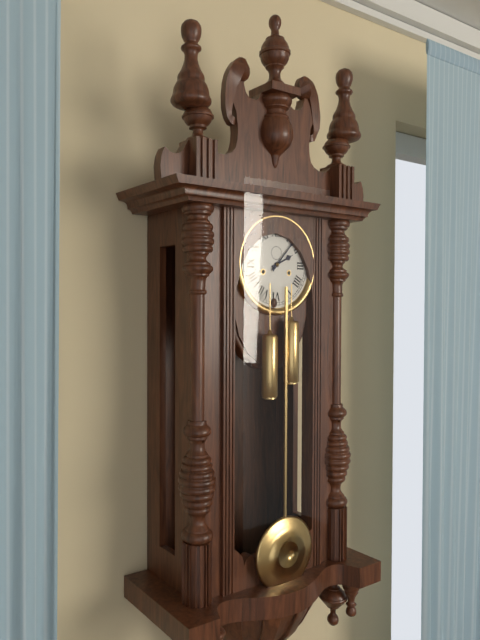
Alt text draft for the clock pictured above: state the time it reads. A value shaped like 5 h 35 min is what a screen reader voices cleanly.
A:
2 h 07 min
